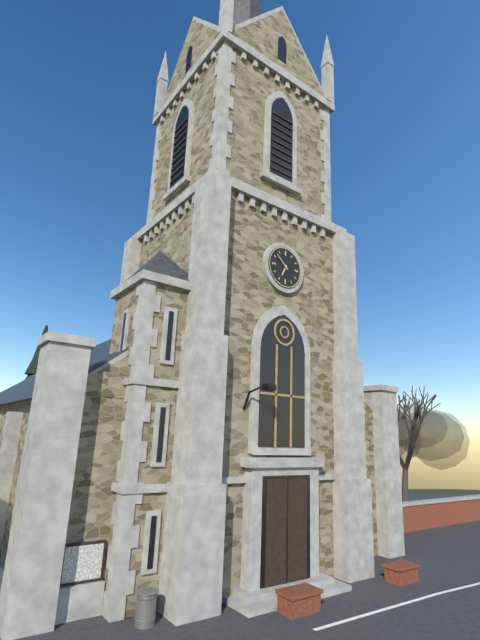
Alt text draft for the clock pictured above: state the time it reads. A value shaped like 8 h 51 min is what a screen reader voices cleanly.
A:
6 h 52 min
